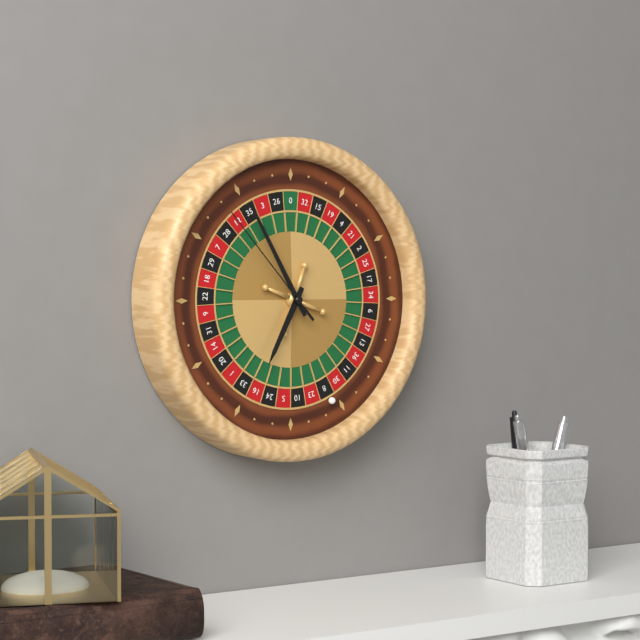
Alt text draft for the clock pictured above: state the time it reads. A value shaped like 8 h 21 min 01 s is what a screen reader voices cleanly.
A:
6 h 55 min 53 s
